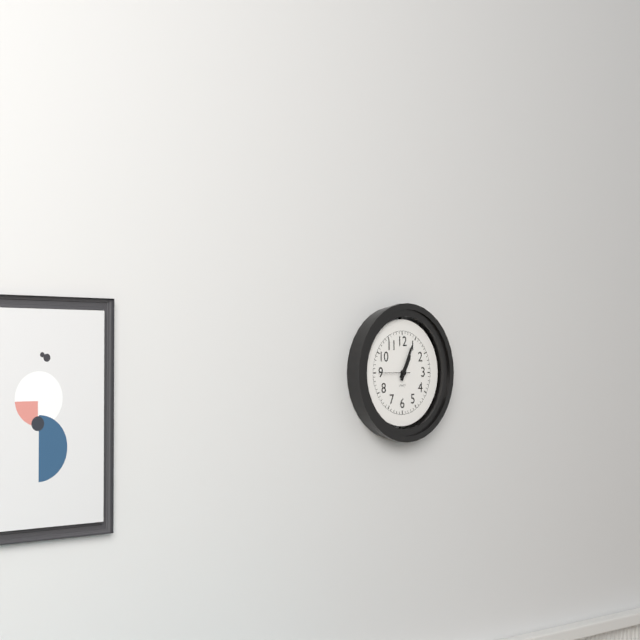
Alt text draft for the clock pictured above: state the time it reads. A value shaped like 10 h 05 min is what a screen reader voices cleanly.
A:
1 h 04 min
